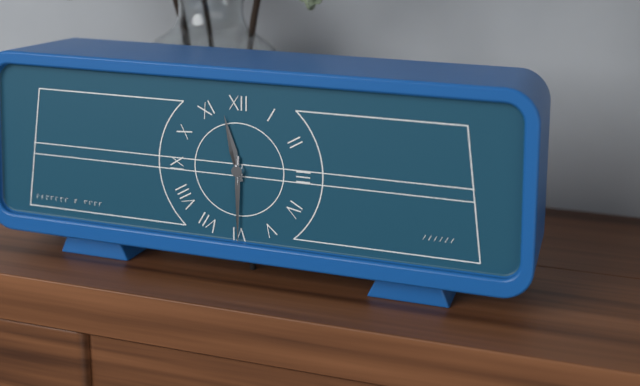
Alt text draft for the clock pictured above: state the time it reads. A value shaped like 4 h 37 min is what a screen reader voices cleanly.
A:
11 h 30 min
